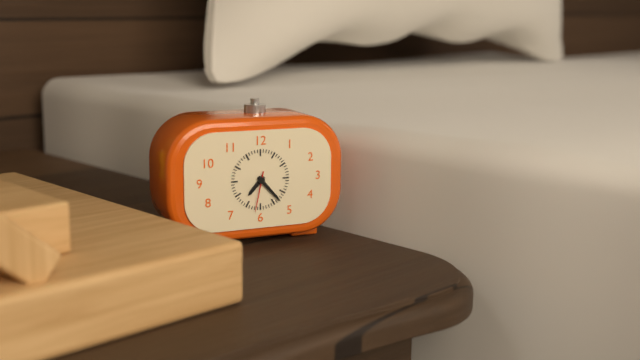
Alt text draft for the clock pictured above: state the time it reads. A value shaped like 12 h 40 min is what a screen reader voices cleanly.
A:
7 h 23 min
